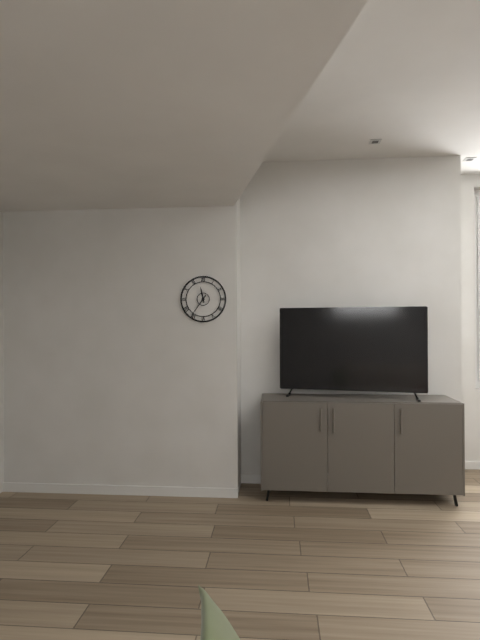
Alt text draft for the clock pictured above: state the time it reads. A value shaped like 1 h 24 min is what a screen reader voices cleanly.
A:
11 h 36 min
